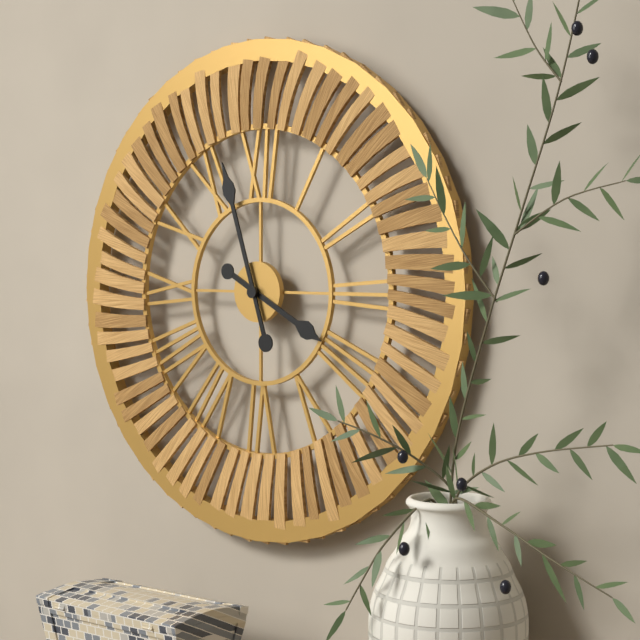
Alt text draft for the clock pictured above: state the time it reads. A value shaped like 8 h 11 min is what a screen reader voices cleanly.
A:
3 h 57 min
